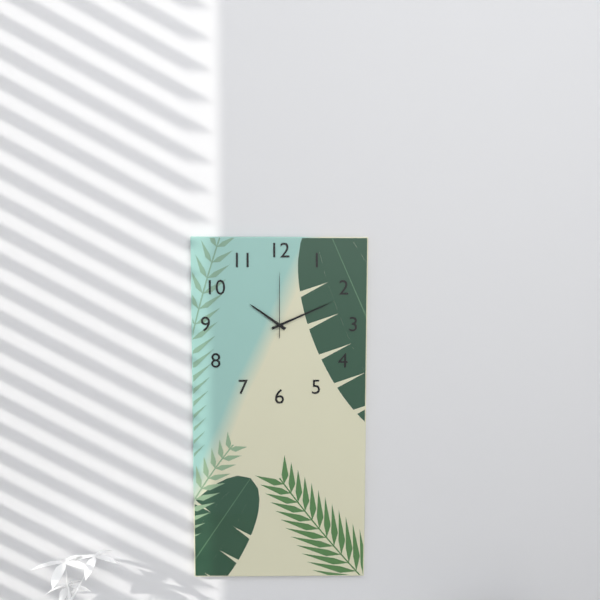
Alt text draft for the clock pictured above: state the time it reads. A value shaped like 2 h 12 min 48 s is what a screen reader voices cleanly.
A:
10 h 11 min 00 s
